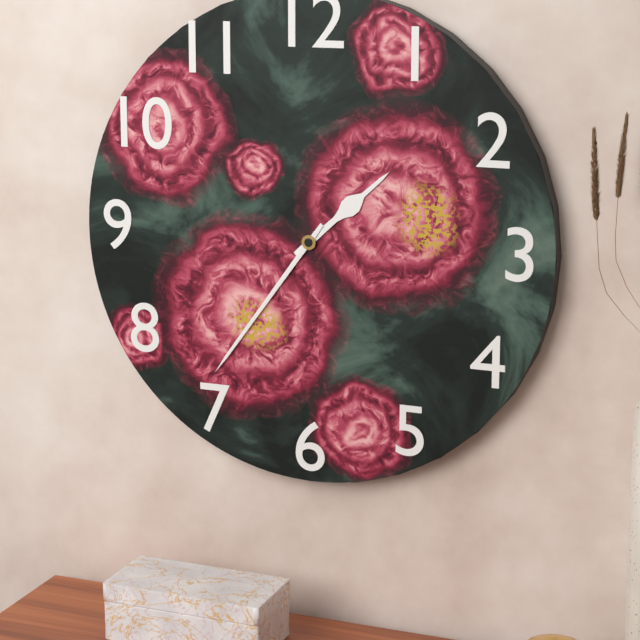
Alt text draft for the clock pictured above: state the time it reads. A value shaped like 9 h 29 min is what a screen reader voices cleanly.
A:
1 h 36 min
